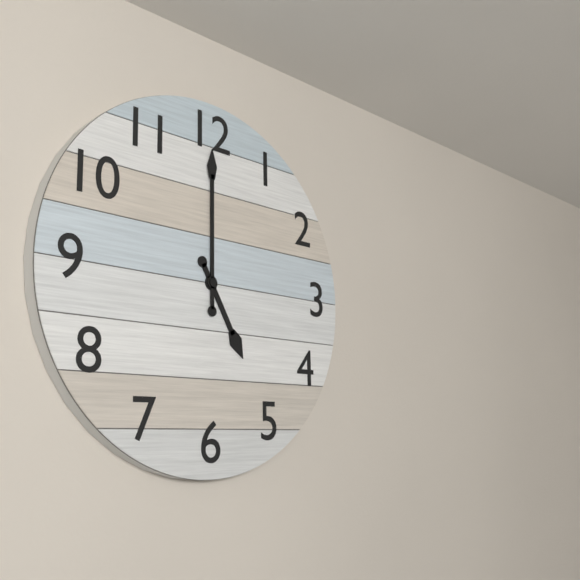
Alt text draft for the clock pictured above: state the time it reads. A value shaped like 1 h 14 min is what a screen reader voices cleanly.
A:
5 h 00 min
